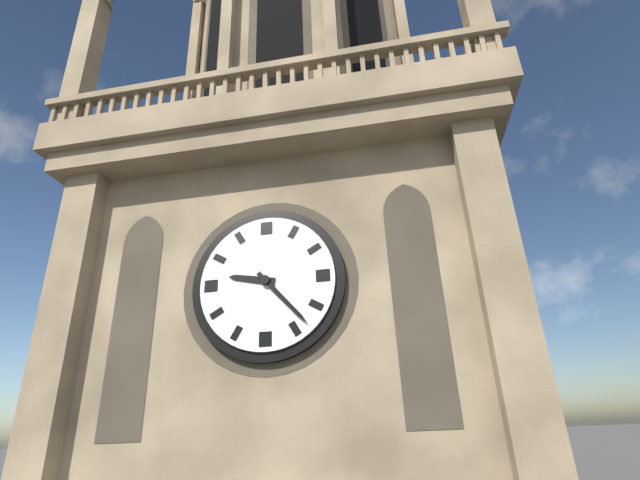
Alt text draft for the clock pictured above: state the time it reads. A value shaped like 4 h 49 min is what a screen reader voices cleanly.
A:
9 h 23 min
